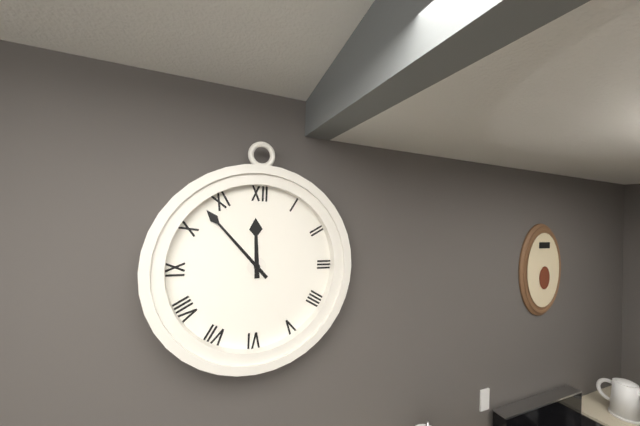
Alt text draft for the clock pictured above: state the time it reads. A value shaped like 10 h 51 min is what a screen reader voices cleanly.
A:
11 h 53 min
